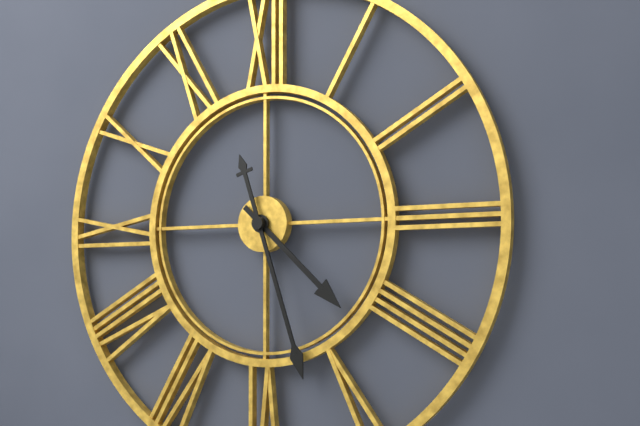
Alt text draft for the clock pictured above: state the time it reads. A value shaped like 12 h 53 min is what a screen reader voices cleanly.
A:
4 h 27 min
